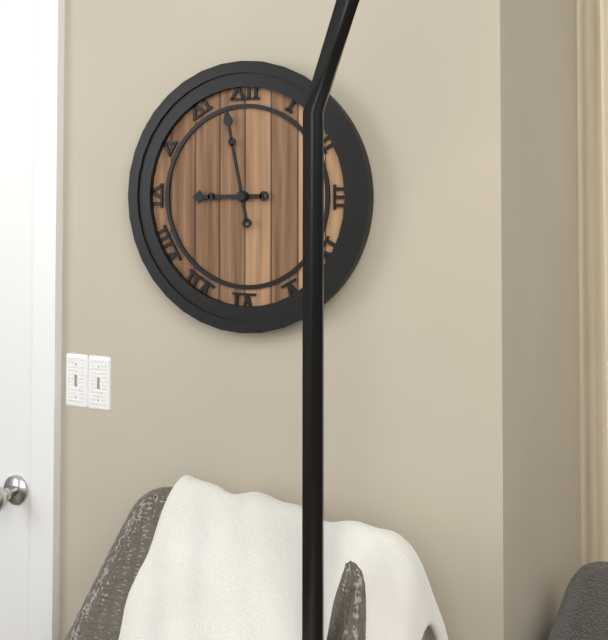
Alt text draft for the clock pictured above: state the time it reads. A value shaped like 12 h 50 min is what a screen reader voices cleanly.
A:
8 h 58 min
